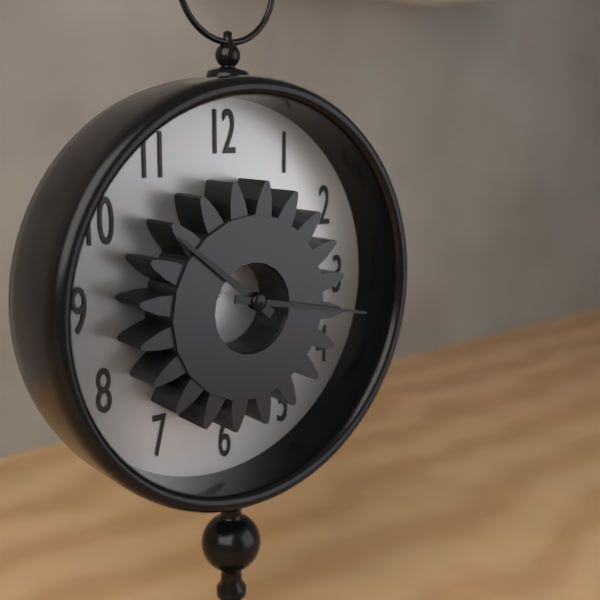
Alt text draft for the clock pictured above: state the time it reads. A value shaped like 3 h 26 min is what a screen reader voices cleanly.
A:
10 h 17 min
